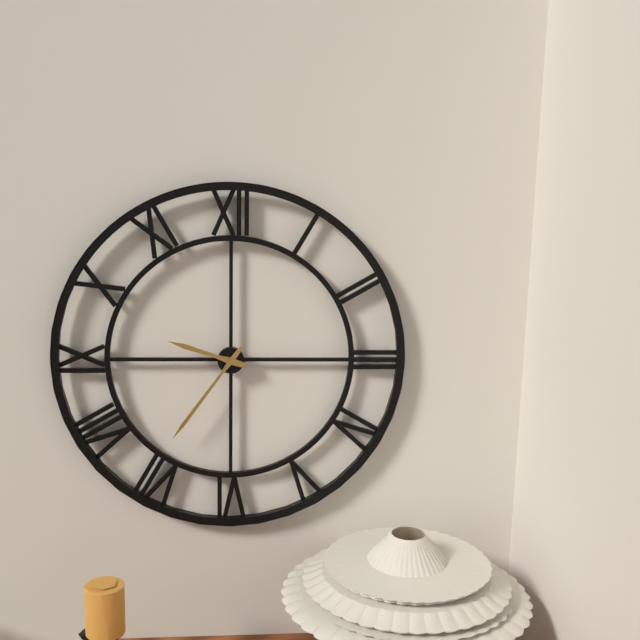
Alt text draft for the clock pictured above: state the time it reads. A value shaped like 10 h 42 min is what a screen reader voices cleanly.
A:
9 h 36 min
